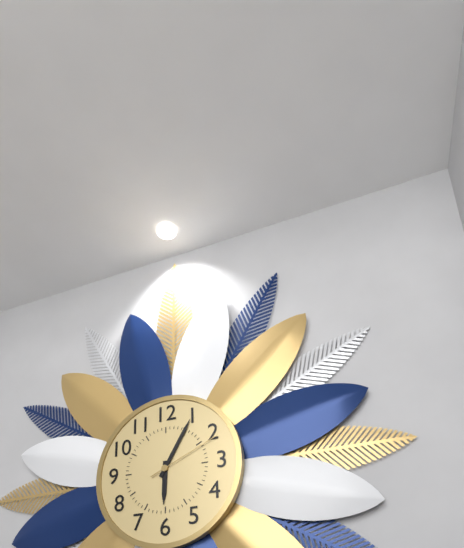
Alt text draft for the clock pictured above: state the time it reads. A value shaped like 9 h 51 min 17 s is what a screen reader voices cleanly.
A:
6 h 05 min 11 s
